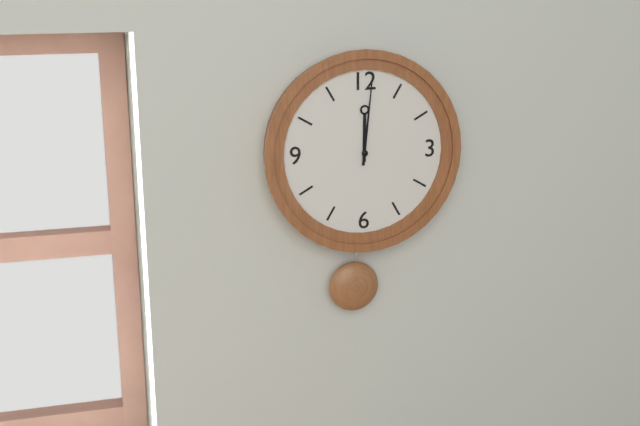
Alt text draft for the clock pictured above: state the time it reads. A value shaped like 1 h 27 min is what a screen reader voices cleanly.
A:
12 h 01 min
